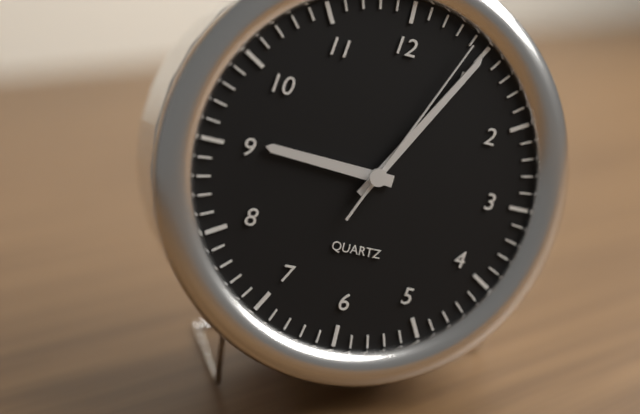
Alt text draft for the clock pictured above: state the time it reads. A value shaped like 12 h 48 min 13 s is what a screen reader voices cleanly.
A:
9 h 05 min 04 s
